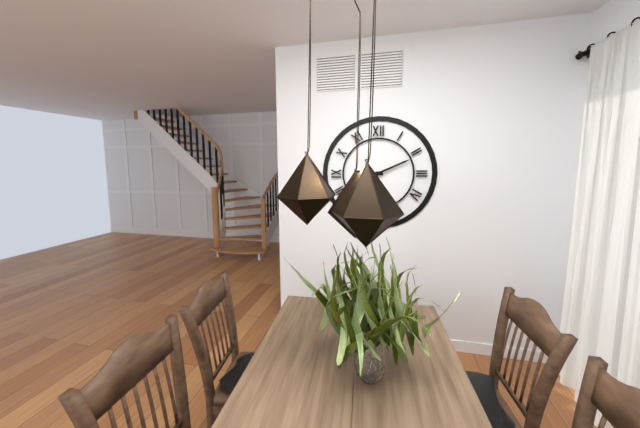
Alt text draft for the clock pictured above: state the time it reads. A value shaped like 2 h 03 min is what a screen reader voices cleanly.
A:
9 h 11 min
